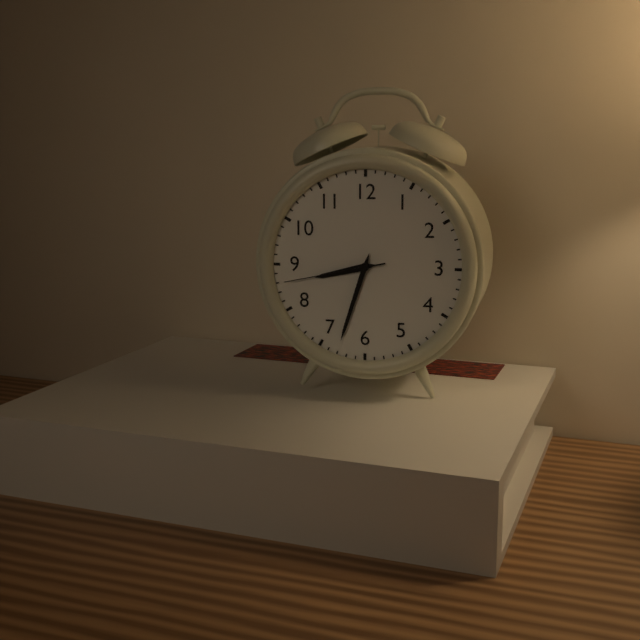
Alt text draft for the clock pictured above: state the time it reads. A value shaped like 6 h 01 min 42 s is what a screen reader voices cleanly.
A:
8 h 33 min 43 s
